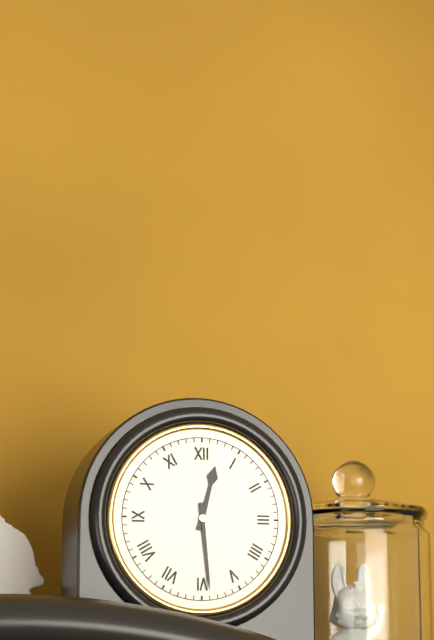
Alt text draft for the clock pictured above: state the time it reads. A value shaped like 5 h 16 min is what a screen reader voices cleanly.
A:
12 h 29 min
